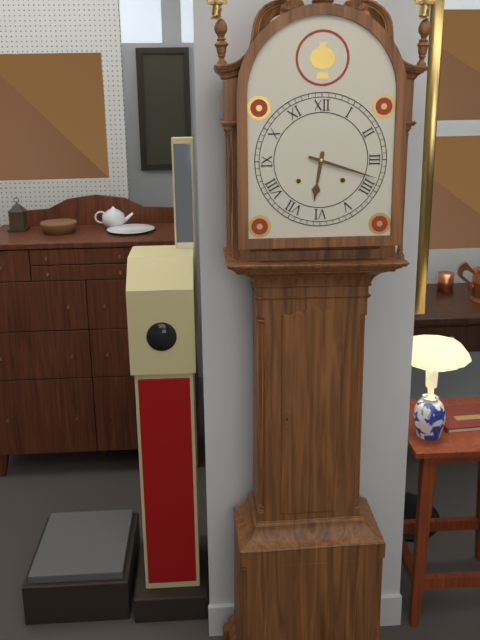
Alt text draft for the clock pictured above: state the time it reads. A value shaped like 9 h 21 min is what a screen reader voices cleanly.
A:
6 h 18 min
